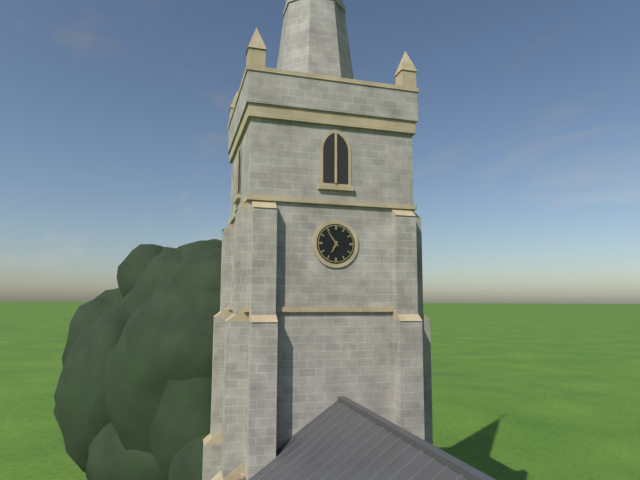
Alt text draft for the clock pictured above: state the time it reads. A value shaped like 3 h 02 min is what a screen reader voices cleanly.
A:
6 h 54 min
